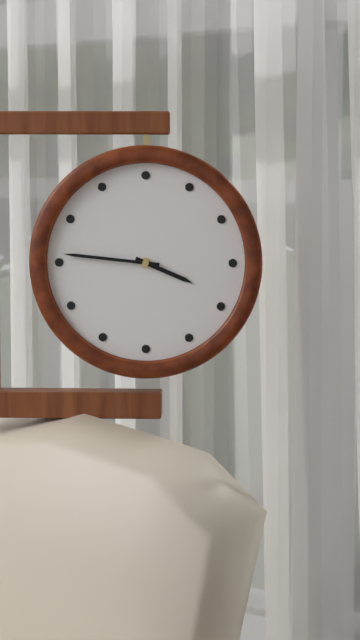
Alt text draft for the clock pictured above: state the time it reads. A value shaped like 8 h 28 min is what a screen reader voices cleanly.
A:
3 h 46 min
